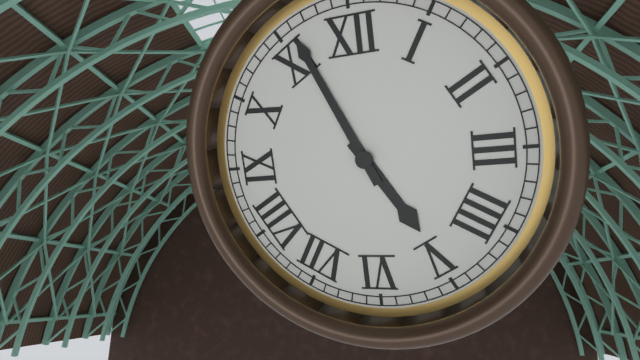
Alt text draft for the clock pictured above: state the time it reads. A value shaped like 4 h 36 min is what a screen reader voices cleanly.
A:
4 h 56 min
